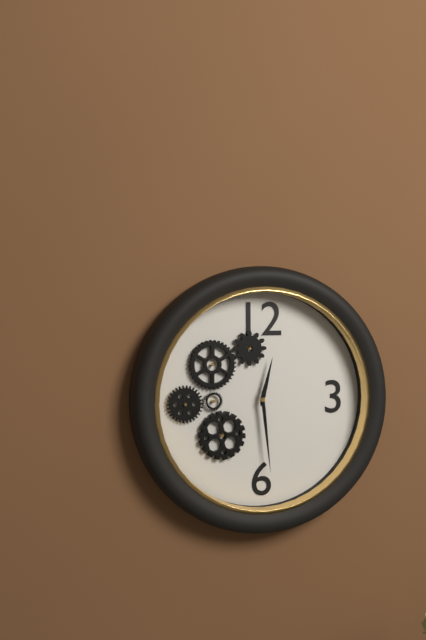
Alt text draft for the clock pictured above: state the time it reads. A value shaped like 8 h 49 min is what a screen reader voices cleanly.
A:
12 h 29 min
